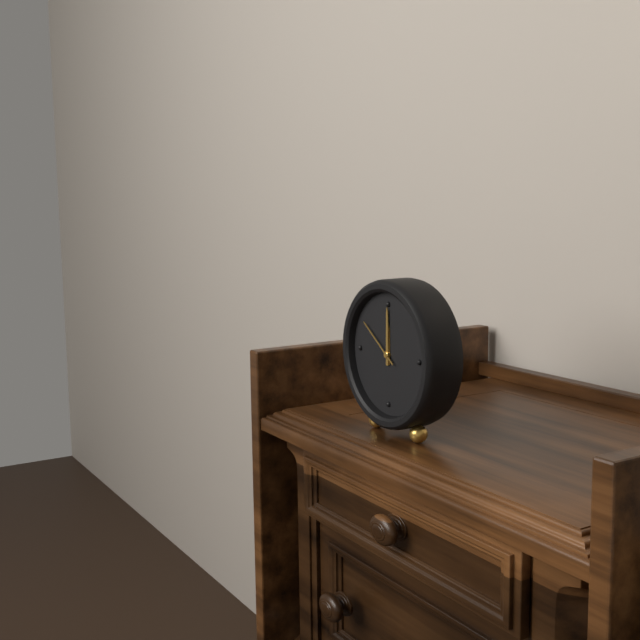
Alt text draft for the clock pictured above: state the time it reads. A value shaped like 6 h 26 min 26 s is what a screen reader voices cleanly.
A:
12 h 00 min 51 s
